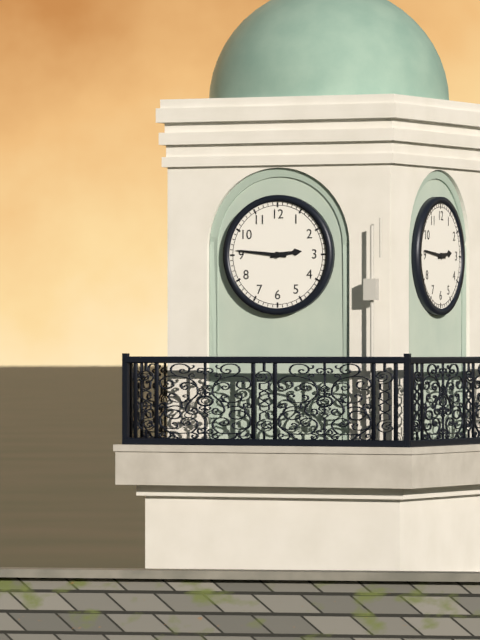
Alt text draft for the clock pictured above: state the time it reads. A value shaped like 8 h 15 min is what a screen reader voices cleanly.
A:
2 h 46 min
